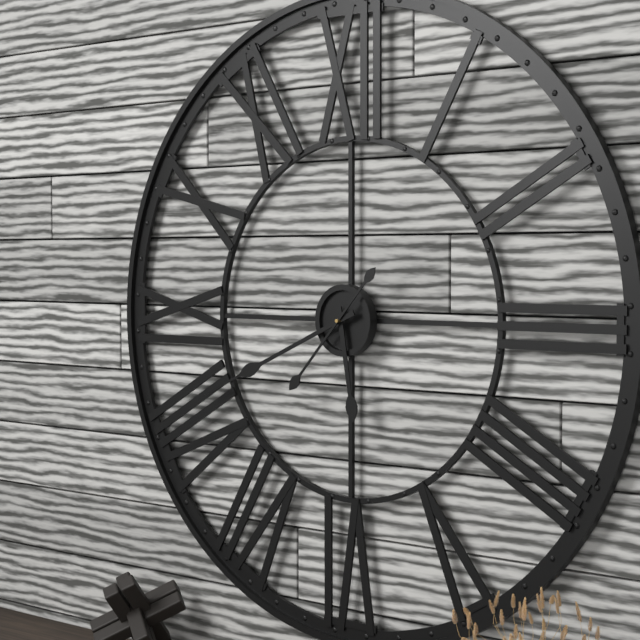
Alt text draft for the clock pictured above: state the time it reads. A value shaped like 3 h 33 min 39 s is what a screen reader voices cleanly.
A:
5 h 41 min 37 s
